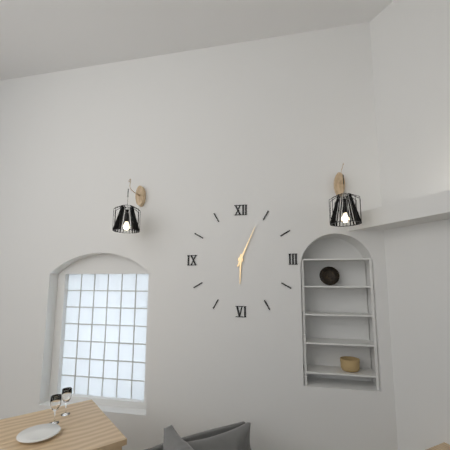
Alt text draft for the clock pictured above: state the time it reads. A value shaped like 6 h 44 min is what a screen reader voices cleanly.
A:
6 h 04 min
